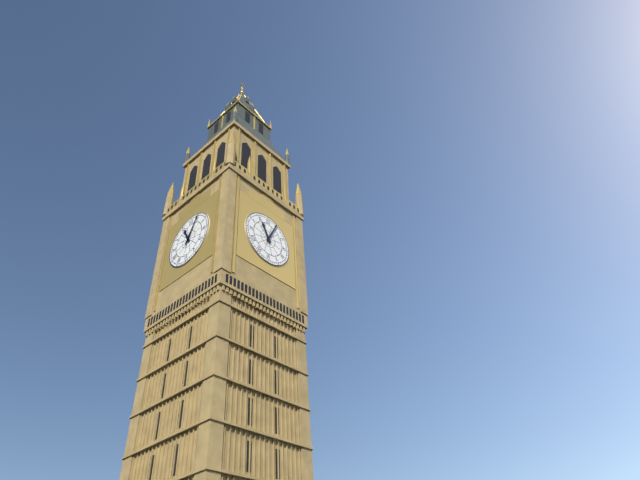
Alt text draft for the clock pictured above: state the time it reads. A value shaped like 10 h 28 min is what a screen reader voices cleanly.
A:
11 h 04 min
